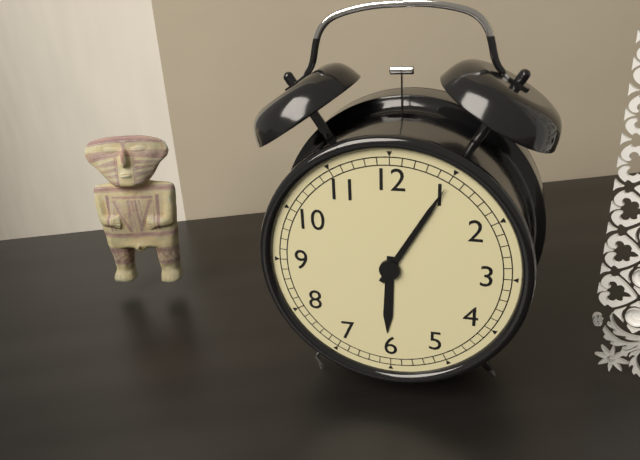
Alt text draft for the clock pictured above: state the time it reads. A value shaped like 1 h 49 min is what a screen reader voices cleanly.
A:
6 h 05 min
